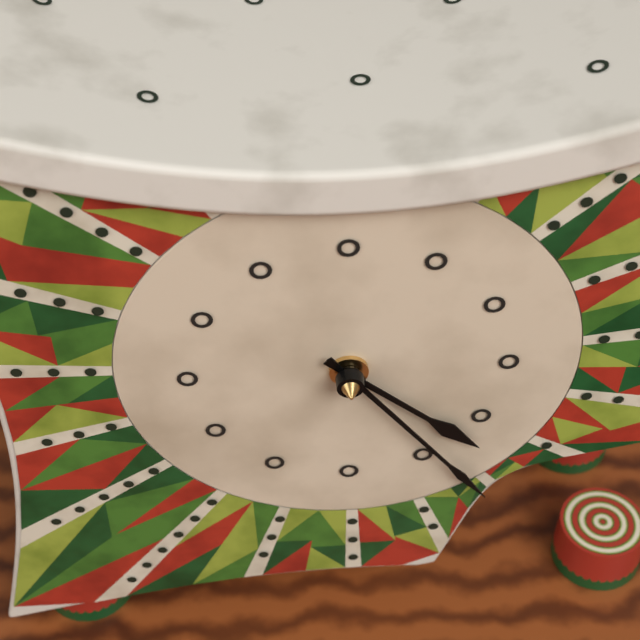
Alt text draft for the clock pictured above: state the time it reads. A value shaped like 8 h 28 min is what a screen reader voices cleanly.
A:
4 h 24 min
